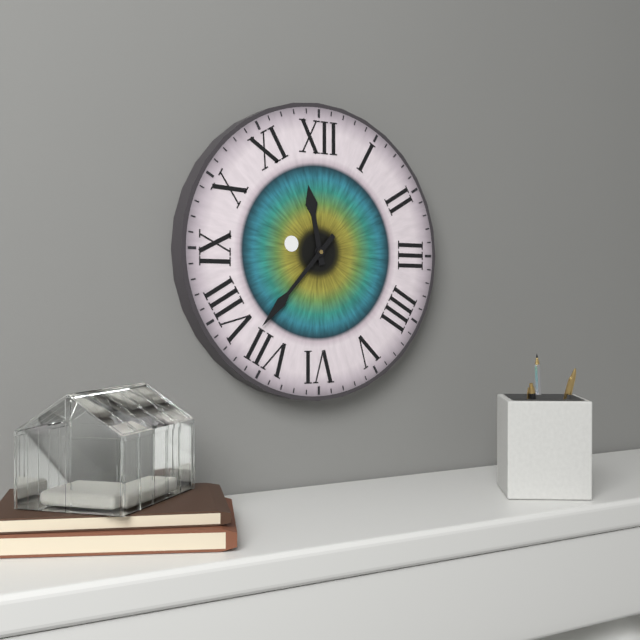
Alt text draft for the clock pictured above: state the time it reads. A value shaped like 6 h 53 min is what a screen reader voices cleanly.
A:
11 h 37 min
